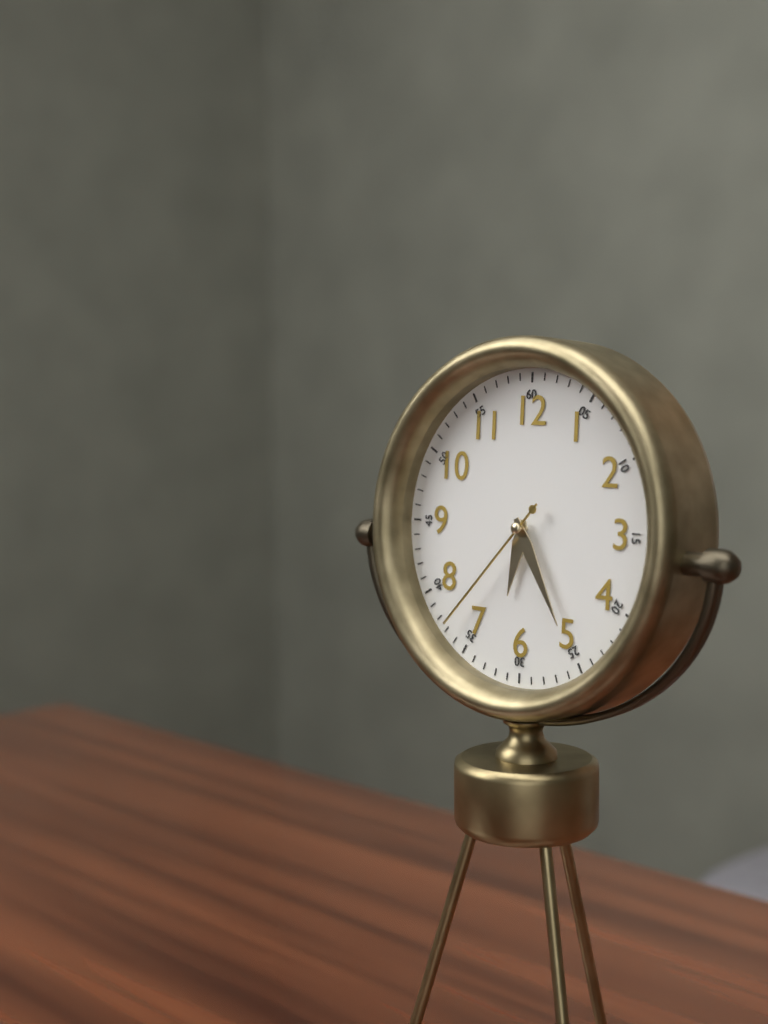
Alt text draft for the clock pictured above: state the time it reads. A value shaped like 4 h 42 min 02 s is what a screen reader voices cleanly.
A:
6 h 25 min 37 s
